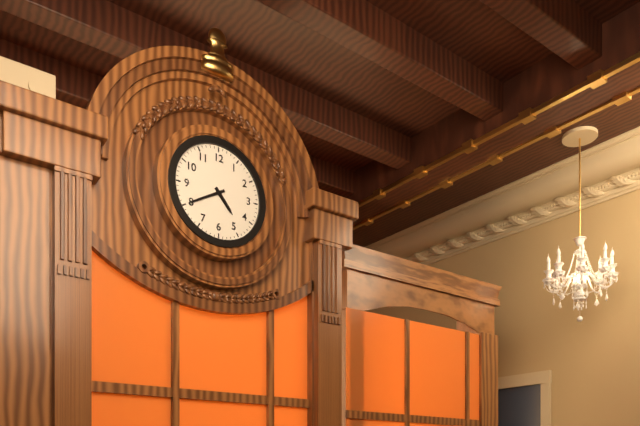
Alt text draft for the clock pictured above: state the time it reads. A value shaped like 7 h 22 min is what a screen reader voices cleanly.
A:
4 h 40 min
